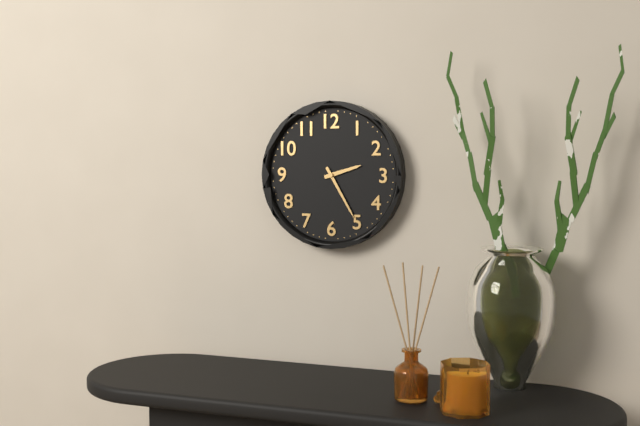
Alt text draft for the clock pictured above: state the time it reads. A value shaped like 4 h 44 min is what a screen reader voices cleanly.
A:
2 h 25 min
